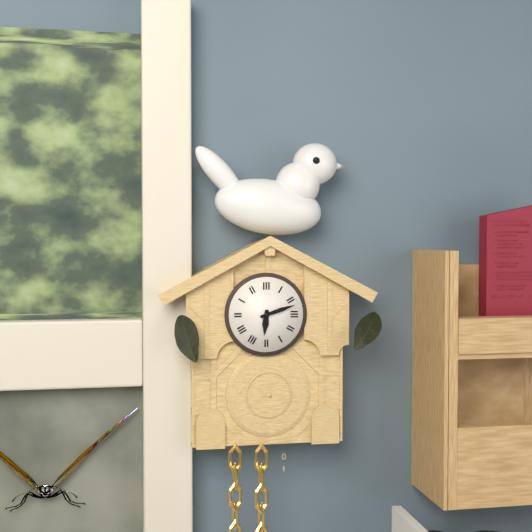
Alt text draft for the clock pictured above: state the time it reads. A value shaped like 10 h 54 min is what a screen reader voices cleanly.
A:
6 h 12 min
